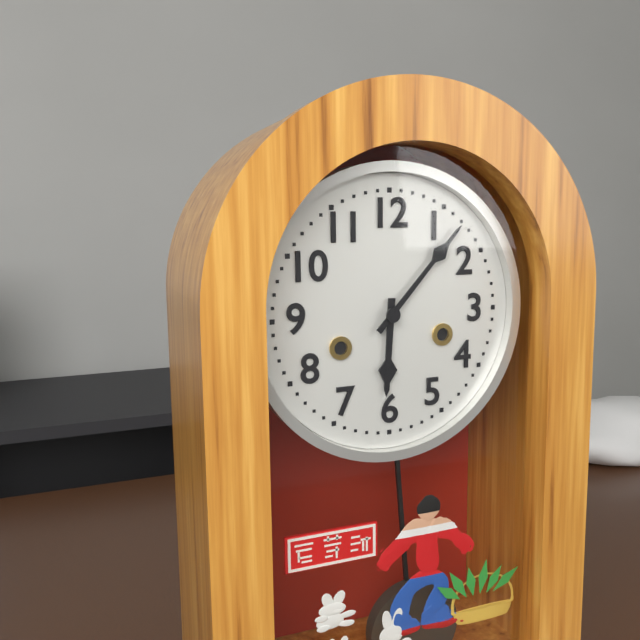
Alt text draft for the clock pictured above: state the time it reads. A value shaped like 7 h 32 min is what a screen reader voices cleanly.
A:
6 h 07 min
